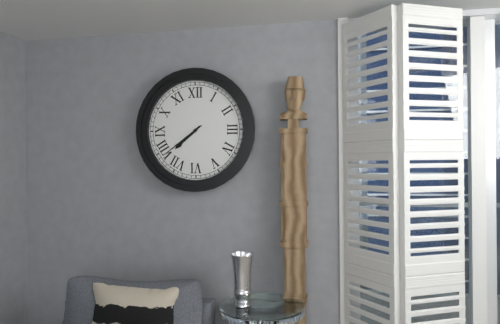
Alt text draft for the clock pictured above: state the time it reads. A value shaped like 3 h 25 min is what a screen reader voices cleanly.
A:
7 h 39 min
